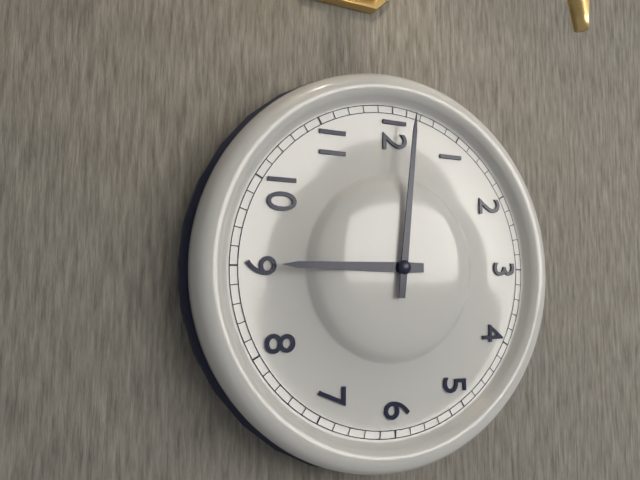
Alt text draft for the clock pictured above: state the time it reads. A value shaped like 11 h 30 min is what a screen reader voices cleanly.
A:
9 h 01 min
